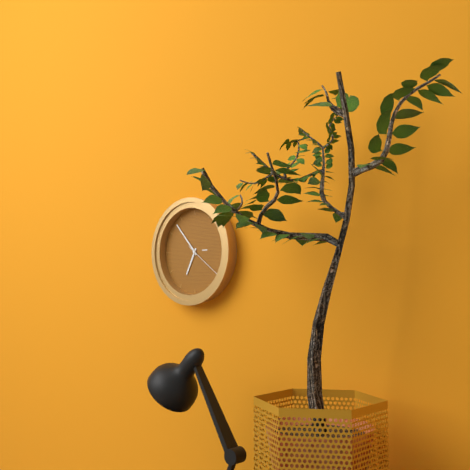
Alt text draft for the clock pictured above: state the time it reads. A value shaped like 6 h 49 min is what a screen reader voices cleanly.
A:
6 h 53 min
